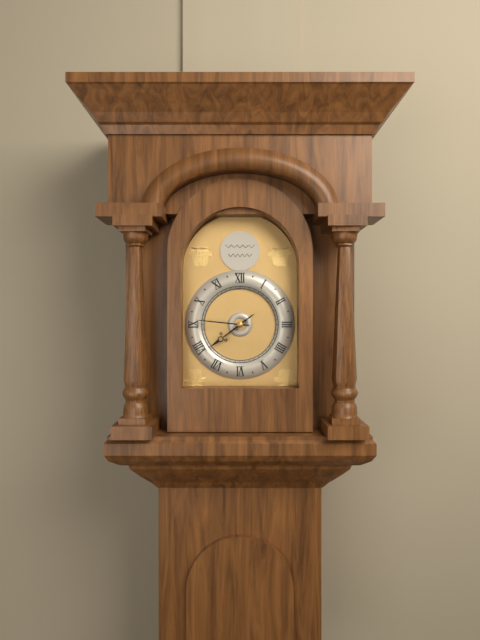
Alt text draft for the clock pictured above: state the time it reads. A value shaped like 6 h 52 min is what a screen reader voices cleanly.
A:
7 h 46 min
